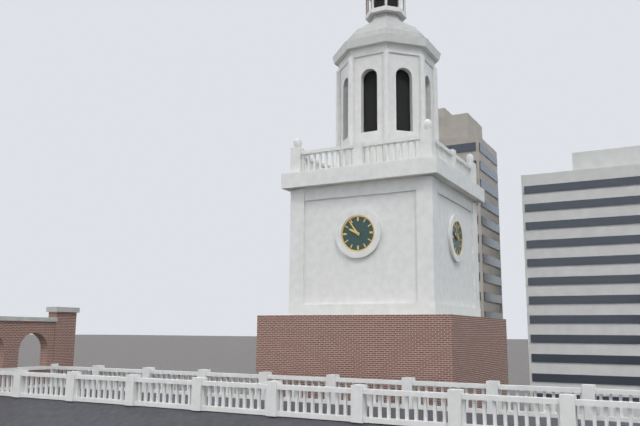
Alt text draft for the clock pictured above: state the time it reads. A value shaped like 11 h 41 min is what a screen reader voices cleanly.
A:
9 h 54 min
